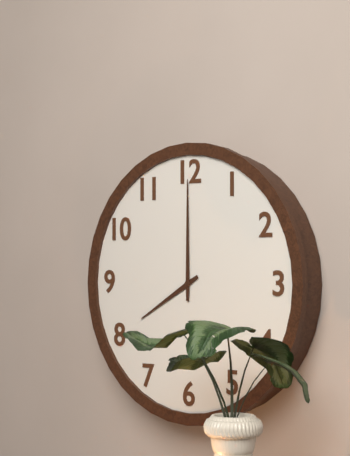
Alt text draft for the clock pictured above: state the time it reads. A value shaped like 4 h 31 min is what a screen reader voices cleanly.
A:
8 h 00 min
